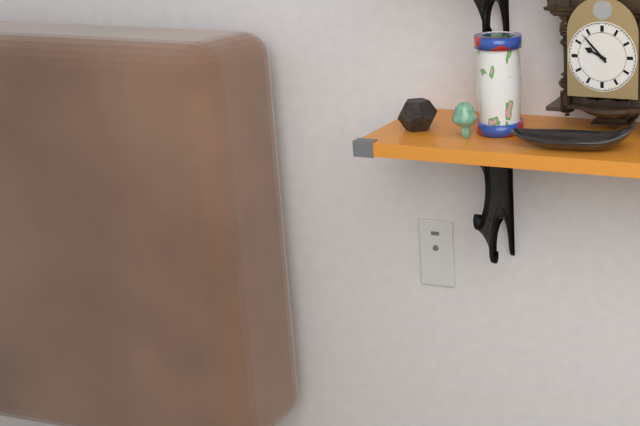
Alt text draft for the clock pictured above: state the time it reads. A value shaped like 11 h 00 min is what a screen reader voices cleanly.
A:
9 h 53 min
